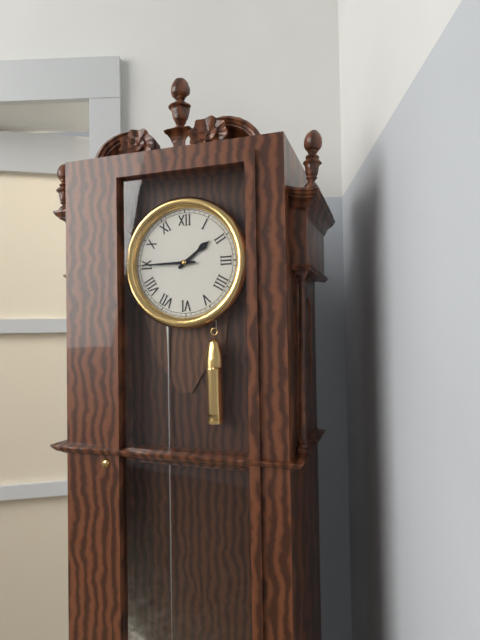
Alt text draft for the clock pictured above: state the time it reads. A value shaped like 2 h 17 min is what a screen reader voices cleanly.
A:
1 h 45 min
